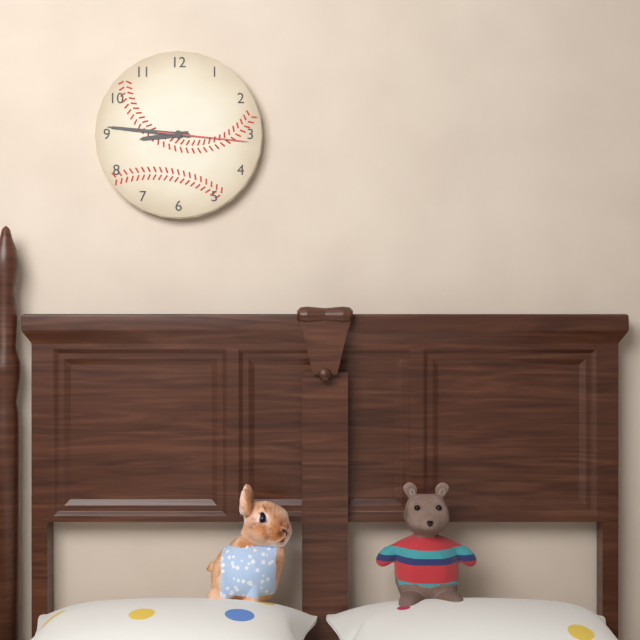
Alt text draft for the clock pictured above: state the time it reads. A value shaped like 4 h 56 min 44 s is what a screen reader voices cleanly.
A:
8 h 46 min 16 s
